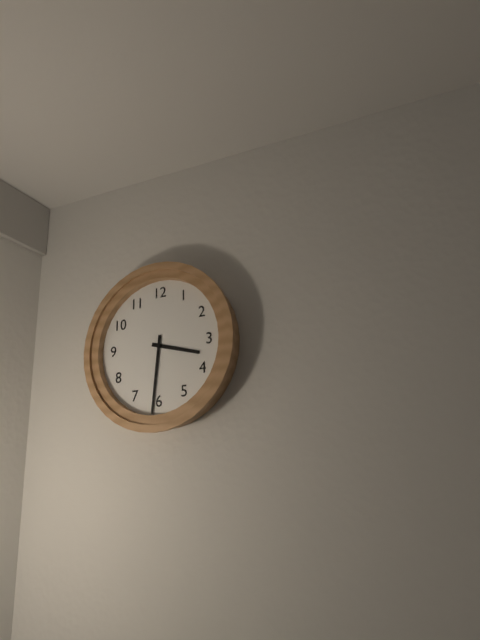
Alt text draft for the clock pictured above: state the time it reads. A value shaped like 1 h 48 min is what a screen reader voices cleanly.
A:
3 h 31 min
